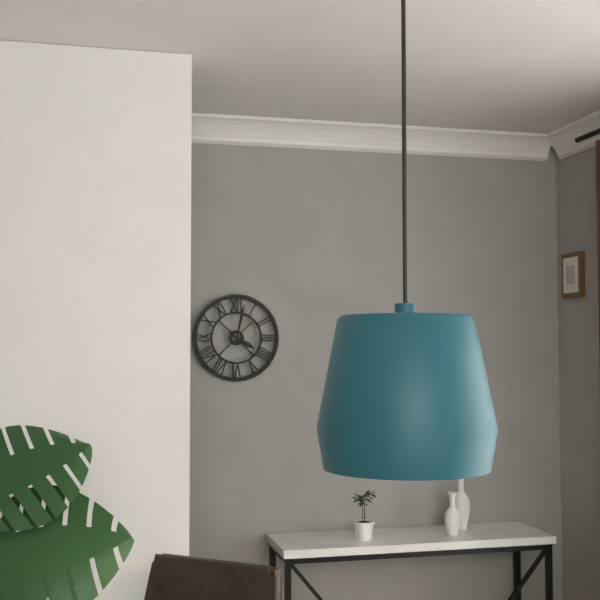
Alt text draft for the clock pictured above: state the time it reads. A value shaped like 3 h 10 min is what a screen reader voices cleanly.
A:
4 h 02 min
